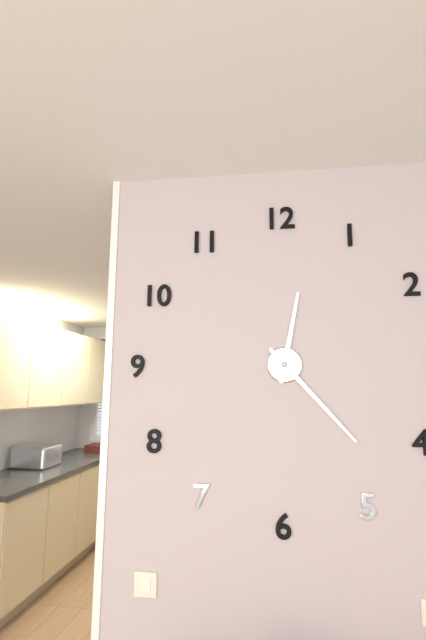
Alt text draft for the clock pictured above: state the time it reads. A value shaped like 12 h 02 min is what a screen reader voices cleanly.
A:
12 h 23 min
